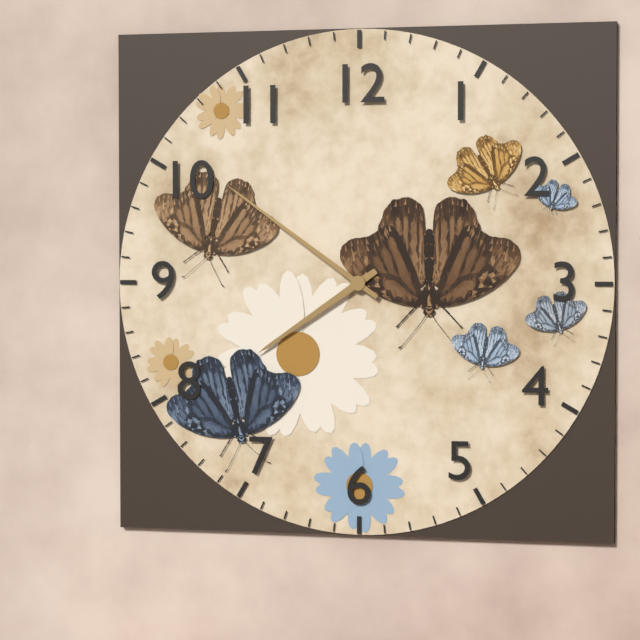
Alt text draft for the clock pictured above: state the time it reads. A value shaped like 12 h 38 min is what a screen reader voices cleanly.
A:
7 h 51 min
